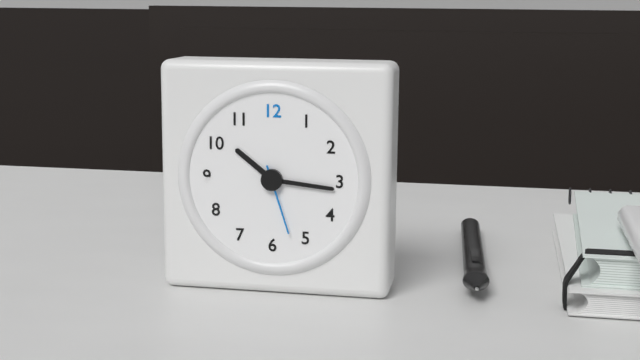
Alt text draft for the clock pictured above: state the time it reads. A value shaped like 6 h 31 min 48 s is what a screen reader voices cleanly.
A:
10 h 16 min 27 s
